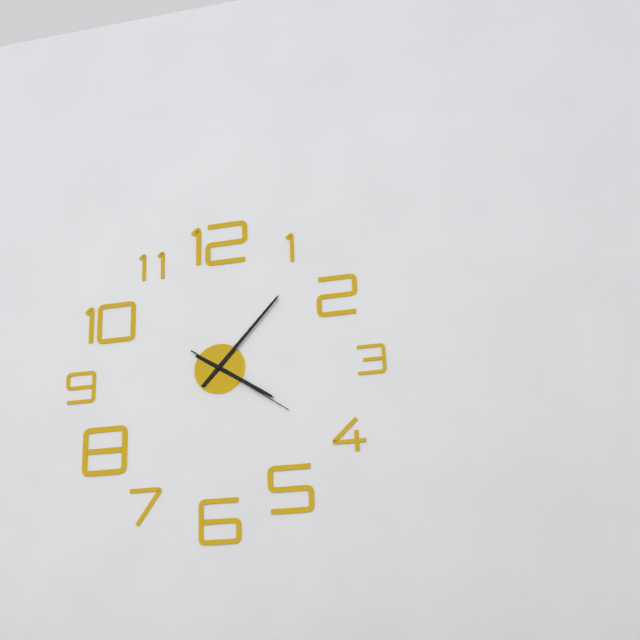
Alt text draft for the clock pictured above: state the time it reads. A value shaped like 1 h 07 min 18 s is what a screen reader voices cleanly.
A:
4 h 07 min 21 s
